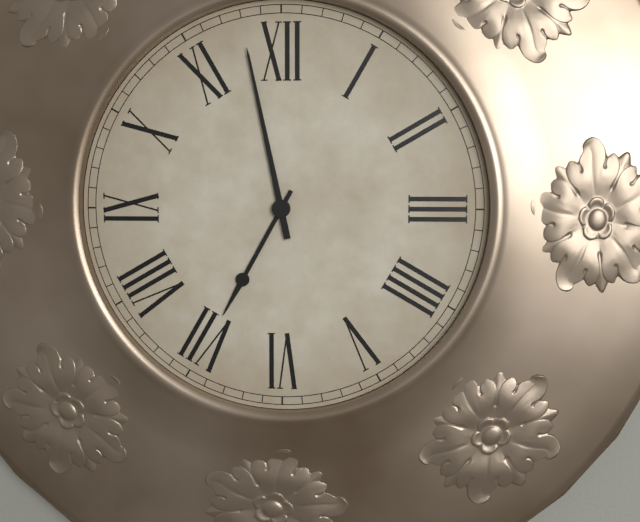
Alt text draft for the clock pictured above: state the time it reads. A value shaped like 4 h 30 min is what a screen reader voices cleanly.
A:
6 h 58 min
